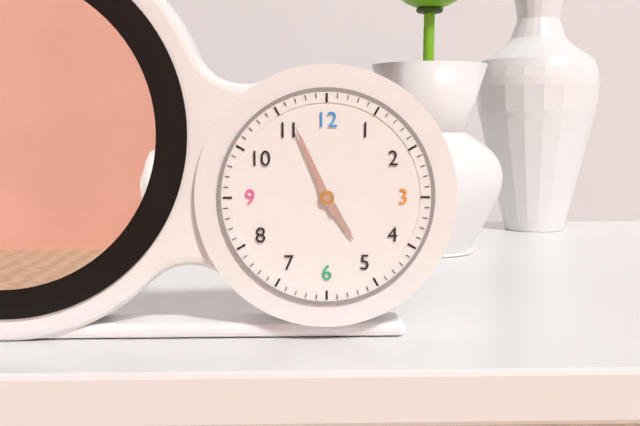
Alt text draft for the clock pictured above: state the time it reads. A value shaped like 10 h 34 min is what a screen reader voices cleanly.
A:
4 h 56 min
